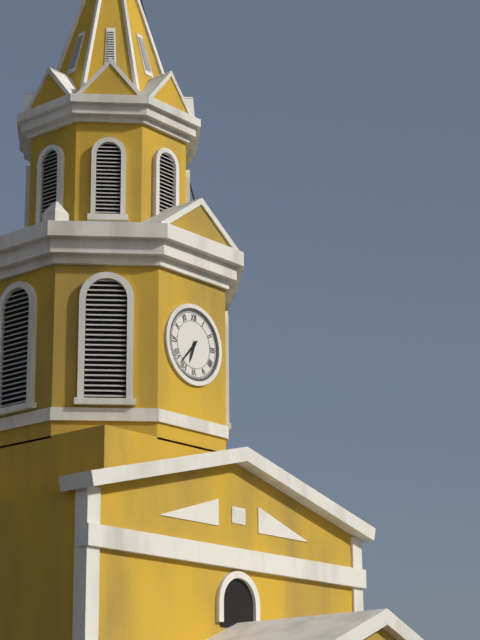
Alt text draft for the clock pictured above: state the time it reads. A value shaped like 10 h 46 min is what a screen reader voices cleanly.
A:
6 h 37 min
